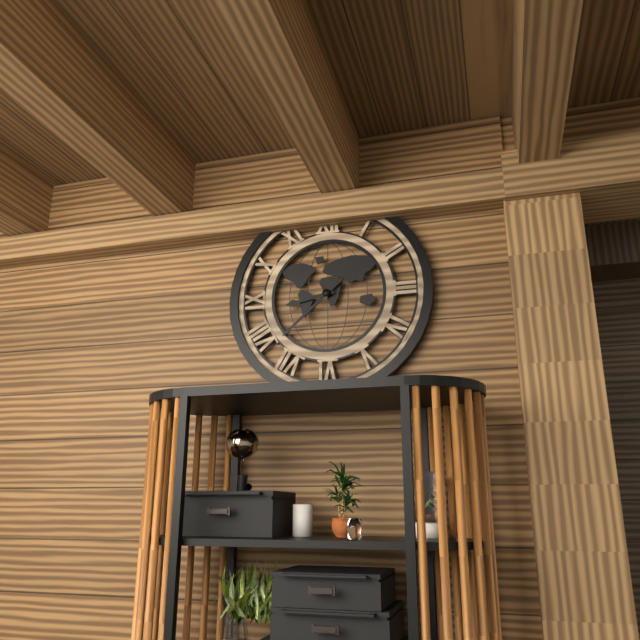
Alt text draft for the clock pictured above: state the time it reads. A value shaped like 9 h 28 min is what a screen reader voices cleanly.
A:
8 h 38 min
